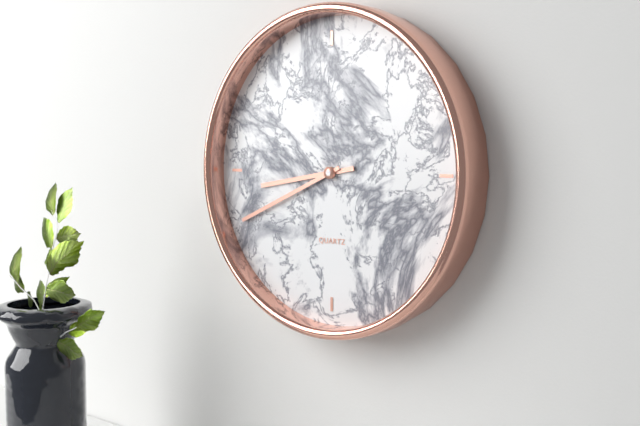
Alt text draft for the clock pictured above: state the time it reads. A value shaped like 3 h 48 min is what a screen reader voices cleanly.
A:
8 h 41 min
